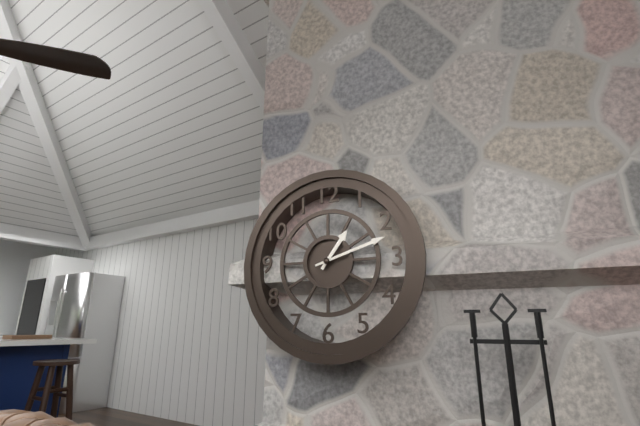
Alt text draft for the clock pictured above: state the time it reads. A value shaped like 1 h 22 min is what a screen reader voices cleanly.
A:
1 h 12 min
